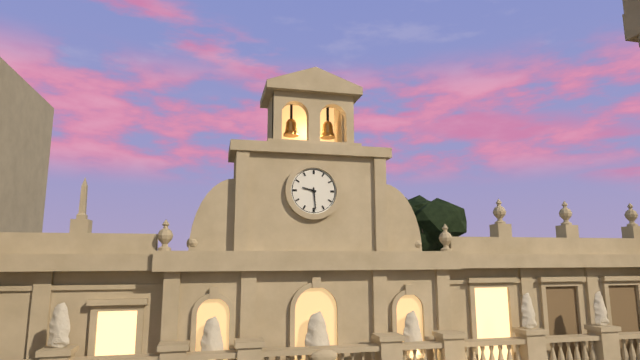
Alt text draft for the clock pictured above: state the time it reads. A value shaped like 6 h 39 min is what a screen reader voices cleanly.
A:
9 h 29 min
